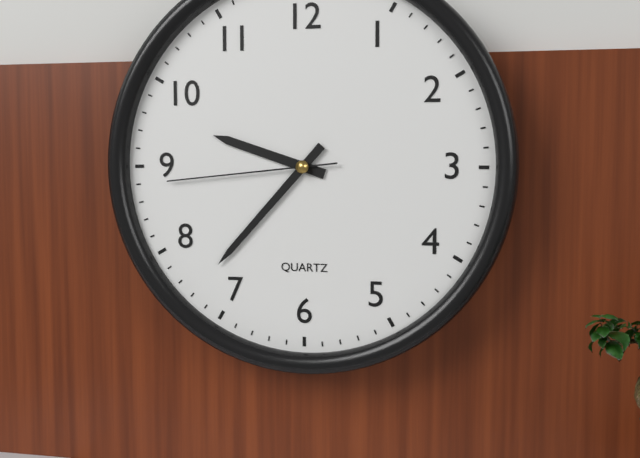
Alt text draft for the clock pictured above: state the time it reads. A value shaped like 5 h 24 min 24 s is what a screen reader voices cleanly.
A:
9 h 37 min 44 s
